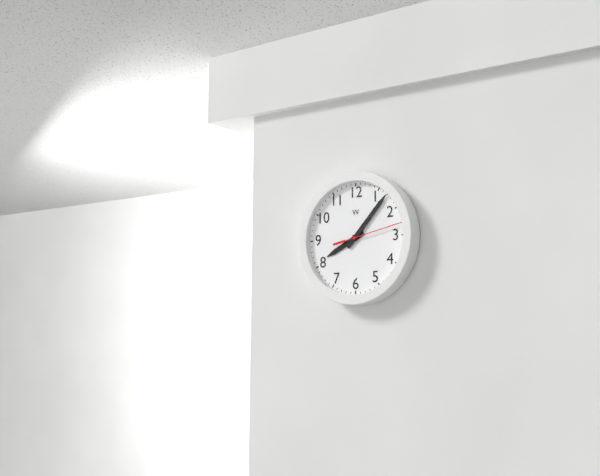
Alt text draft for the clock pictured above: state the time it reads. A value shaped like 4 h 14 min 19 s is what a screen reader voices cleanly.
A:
8 h 07 min 13 s
